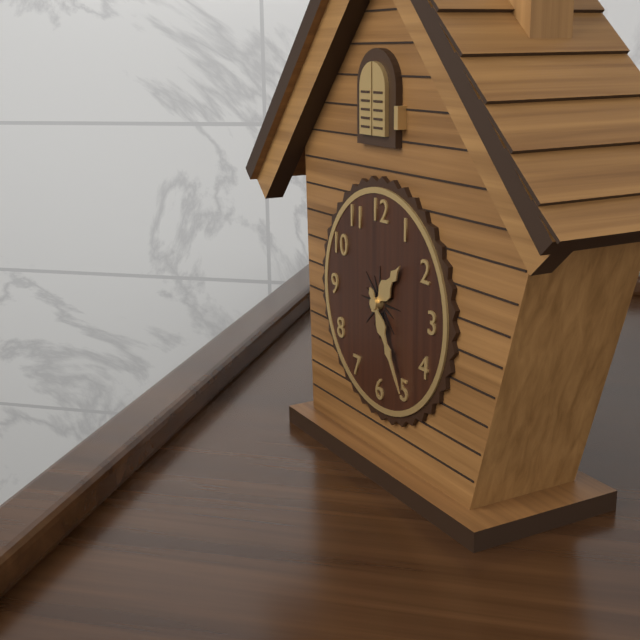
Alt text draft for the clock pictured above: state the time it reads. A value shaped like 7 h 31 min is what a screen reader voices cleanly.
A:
1 h 25 min
